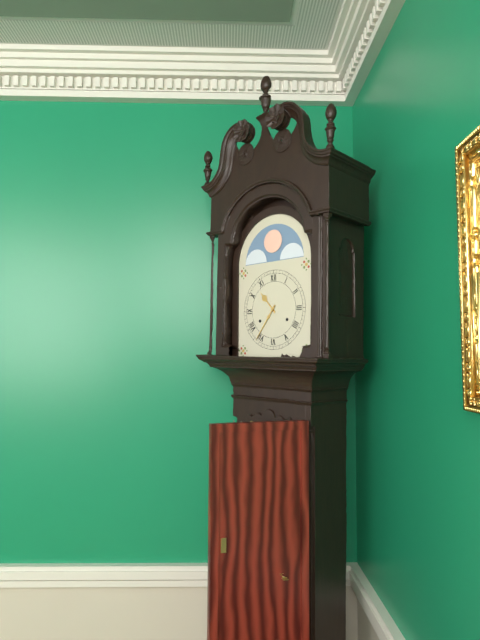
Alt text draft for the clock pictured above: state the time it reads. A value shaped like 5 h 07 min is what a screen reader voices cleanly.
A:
10 h 36 min
